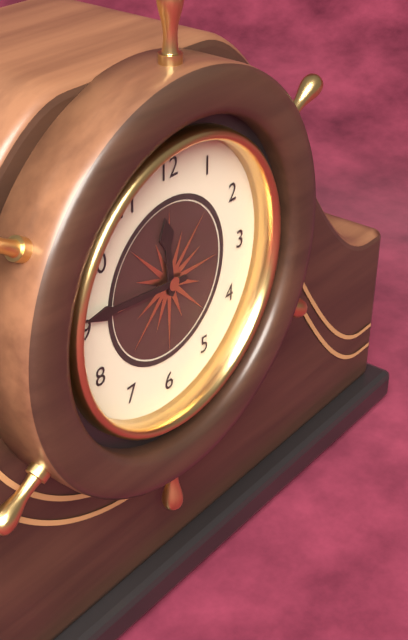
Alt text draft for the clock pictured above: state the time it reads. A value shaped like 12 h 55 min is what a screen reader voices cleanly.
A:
11 h 46 min
